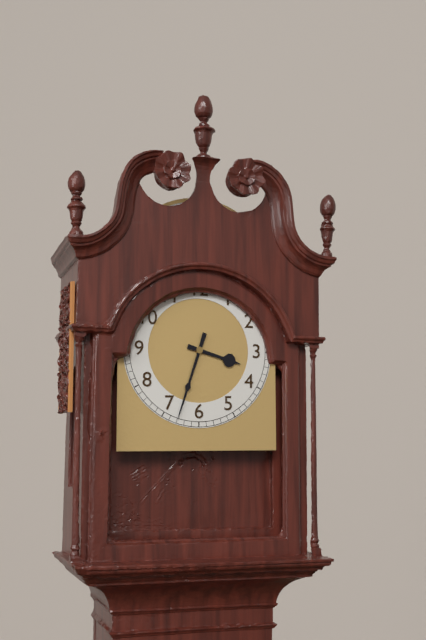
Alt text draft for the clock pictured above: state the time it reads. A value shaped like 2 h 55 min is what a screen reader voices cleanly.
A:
3 h 33 min
